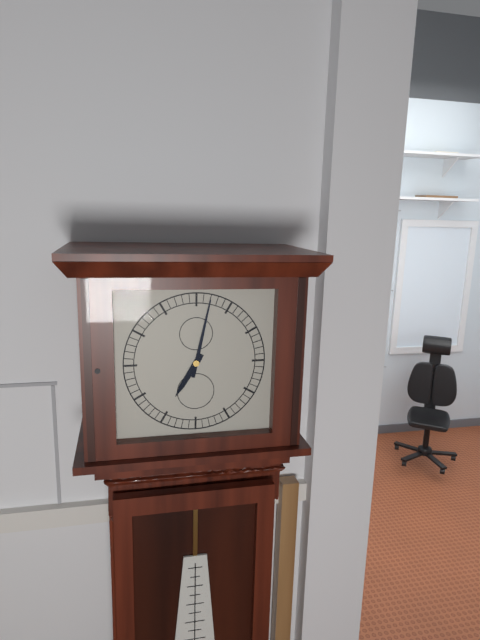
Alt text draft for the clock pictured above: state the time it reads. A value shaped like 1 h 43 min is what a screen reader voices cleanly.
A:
7 h 02 min
